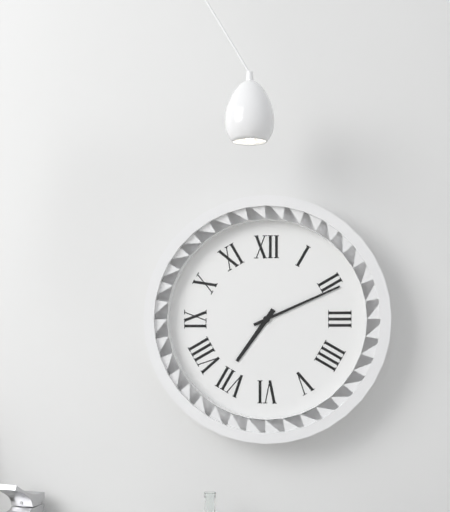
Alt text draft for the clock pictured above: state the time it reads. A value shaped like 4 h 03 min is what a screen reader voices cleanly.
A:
7 h 11 min
